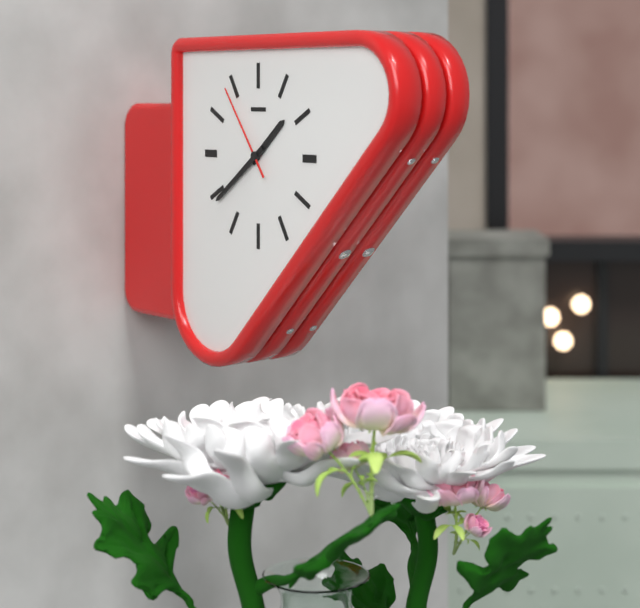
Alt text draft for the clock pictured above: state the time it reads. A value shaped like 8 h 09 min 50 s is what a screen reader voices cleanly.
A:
1 h 39 min 54 s
